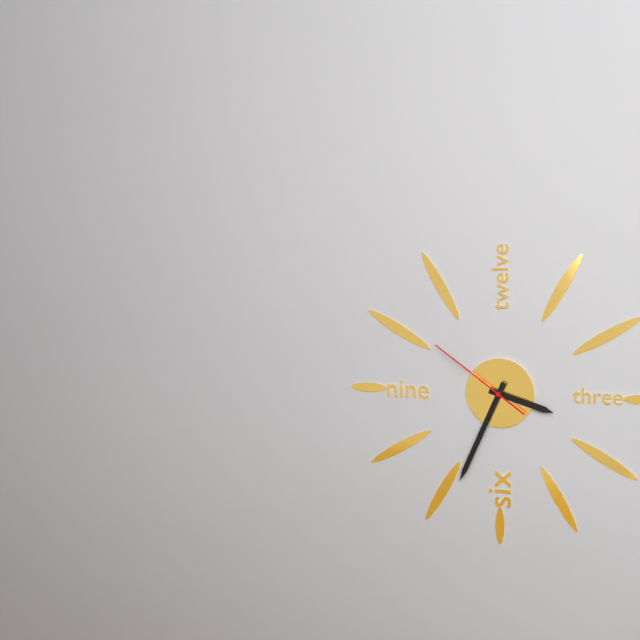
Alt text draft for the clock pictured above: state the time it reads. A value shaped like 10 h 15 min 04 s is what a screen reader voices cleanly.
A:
3 h 34 min 51 s
